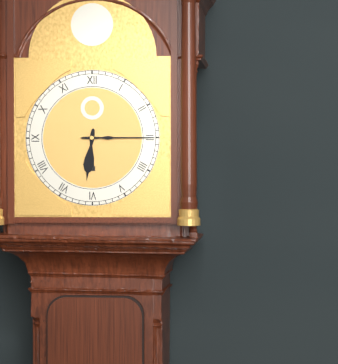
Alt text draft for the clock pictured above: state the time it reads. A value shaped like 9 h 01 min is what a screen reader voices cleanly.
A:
6 h 15 min
